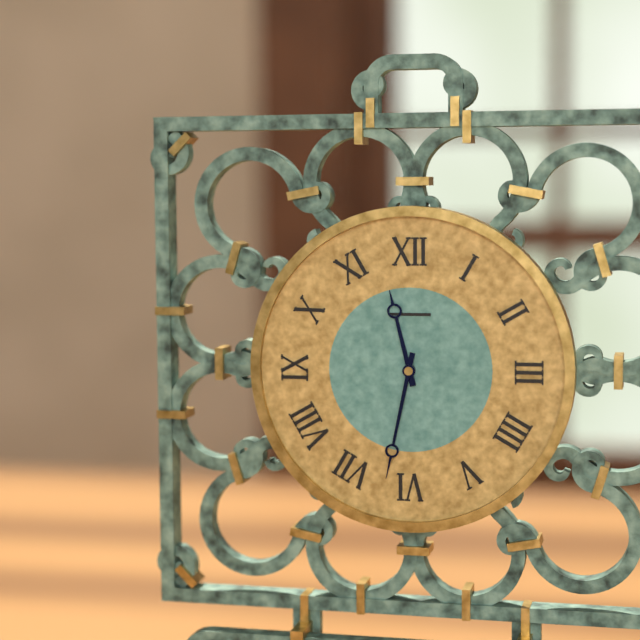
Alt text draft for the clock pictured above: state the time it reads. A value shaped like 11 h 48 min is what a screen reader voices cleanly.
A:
11 h 32 min
